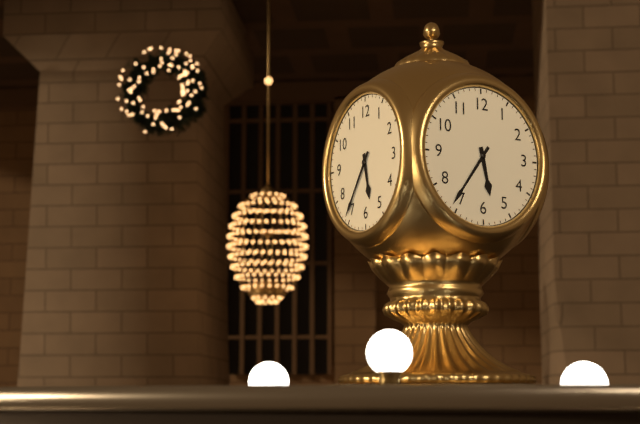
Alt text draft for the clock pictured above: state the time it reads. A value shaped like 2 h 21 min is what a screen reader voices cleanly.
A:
5 h 36 min
